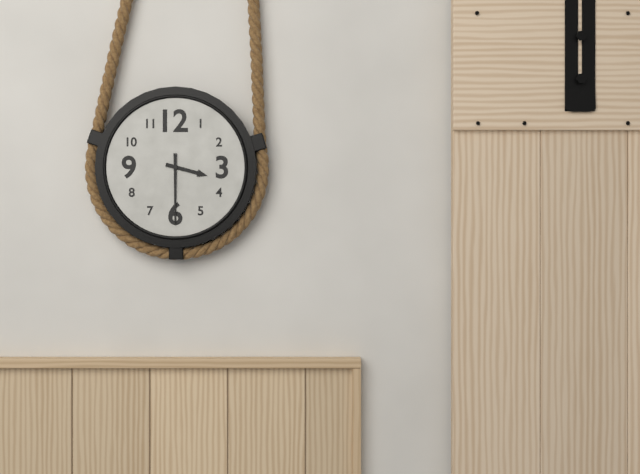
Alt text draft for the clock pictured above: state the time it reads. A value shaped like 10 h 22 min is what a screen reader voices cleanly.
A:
3 h 30 min
